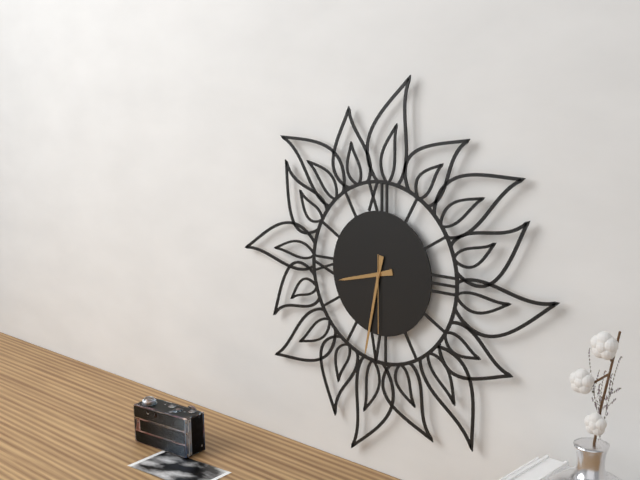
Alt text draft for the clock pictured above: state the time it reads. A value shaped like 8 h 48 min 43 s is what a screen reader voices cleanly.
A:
8 h 32 min 30 s
